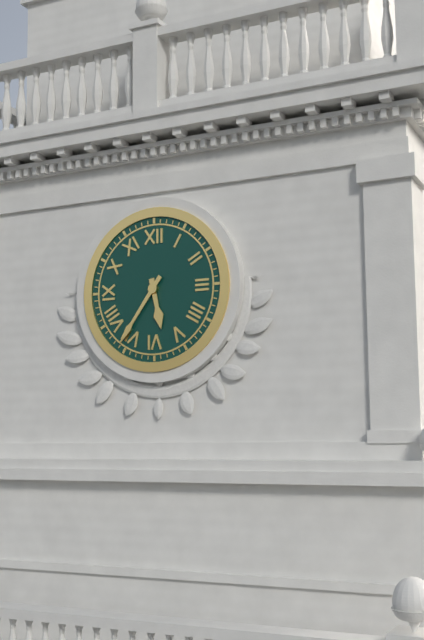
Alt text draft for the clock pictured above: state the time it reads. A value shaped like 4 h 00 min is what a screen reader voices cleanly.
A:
5 h 36 min
